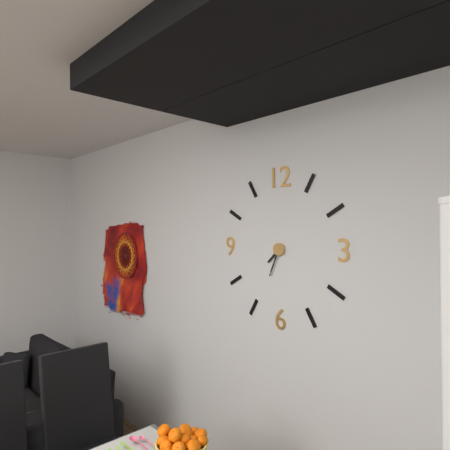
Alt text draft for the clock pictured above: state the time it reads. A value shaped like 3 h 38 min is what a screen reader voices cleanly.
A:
7 h 34 min
